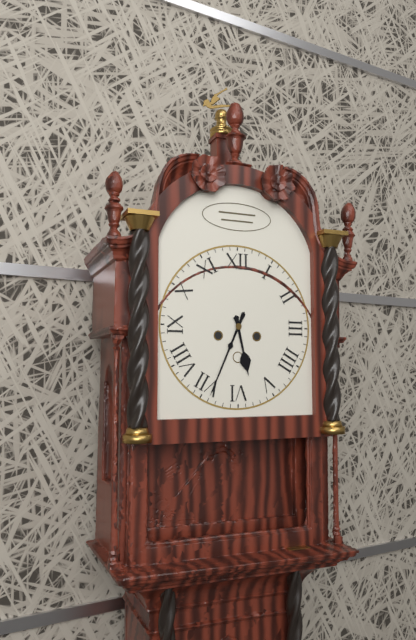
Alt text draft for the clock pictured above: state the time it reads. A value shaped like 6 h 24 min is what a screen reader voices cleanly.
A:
5 h 34 min
